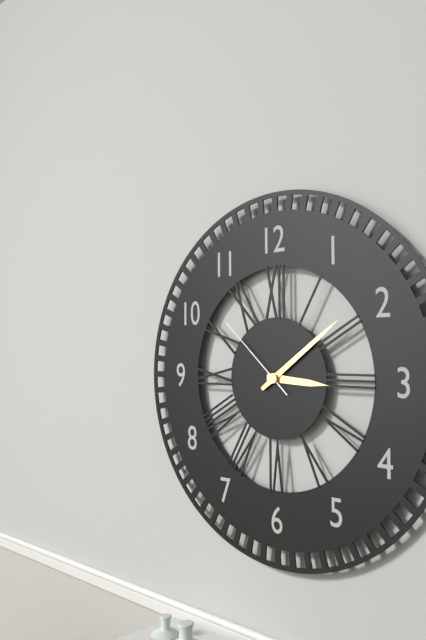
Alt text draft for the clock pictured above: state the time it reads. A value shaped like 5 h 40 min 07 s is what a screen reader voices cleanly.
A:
3 h 09 min 52 s
